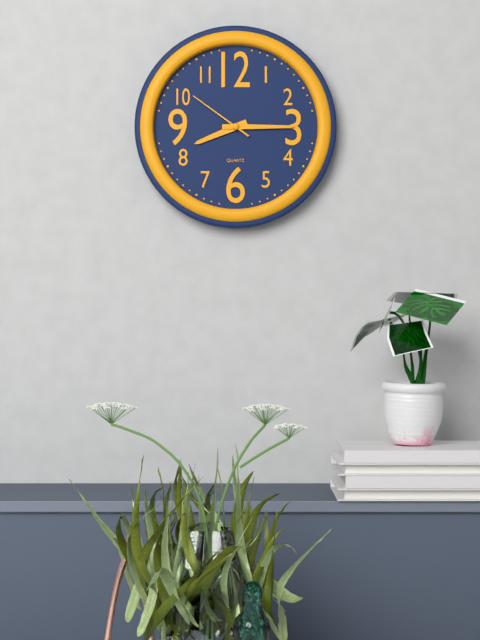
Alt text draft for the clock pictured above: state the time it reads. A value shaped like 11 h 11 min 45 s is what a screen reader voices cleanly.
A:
8 h 15 min 51 s
